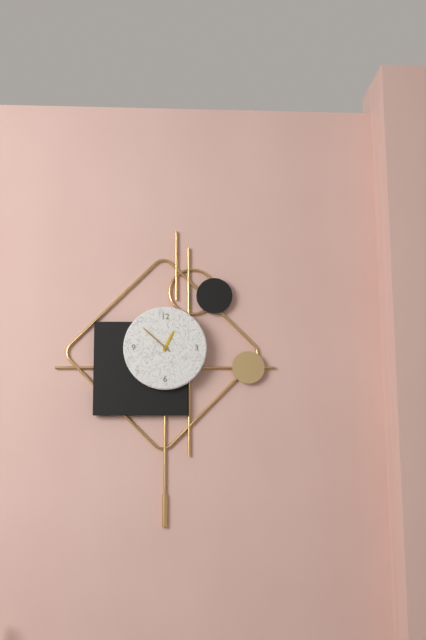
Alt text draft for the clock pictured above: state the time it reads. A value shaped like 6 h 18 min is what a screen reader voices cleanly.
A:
12 h 52 min
